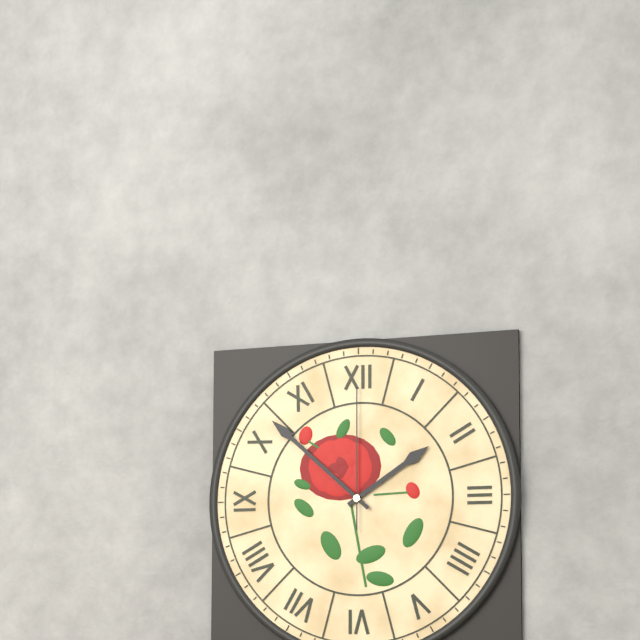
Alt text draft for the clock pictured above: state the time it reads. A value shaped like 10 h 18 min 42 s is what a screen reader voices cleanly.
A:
1 h 52 min 00 s
